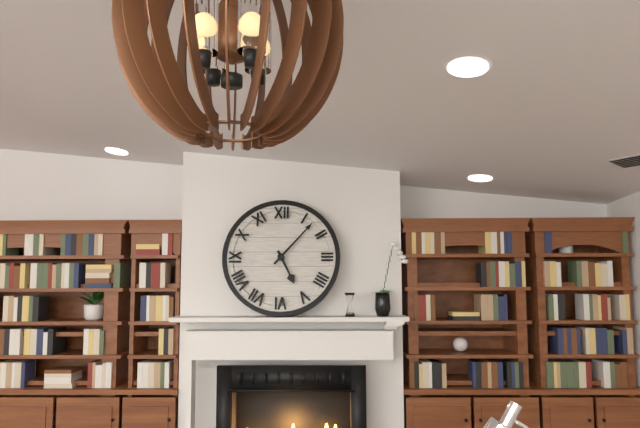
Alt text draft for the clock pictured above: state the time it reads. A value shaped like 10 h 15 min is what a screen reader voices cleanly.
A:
5 h 07 min
